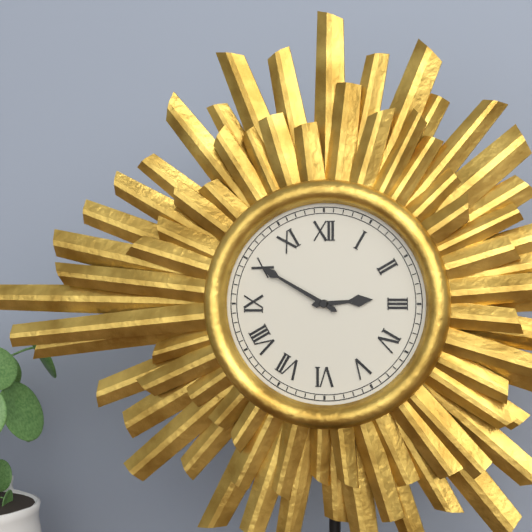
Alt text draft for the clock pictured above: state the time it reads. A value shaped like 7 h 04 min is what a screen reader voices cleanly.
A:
2 h 50 min
